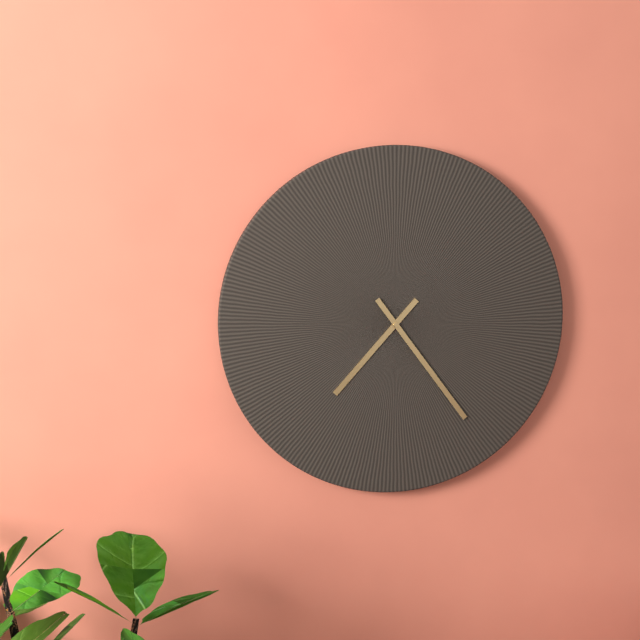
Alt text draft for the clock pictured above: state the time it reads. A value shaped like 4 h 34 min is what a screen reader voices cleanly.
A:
7 h 24 min
